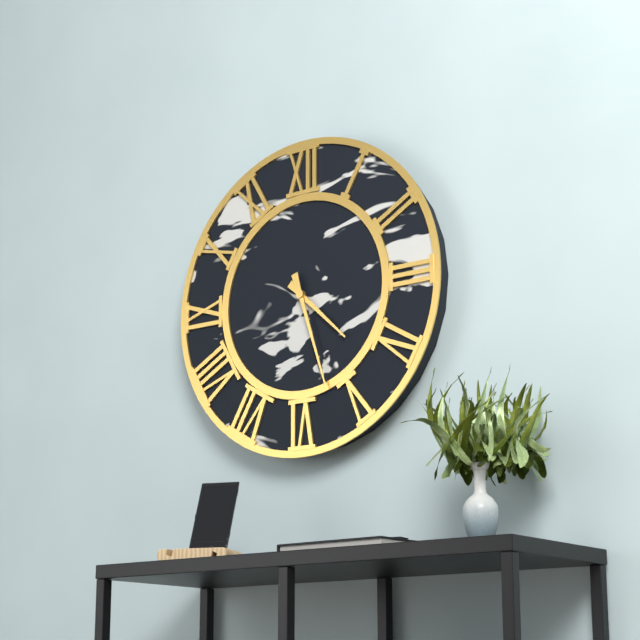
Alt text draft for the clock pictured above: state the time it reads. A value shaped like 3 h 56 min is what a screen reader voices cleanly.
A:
4 h 27 min
